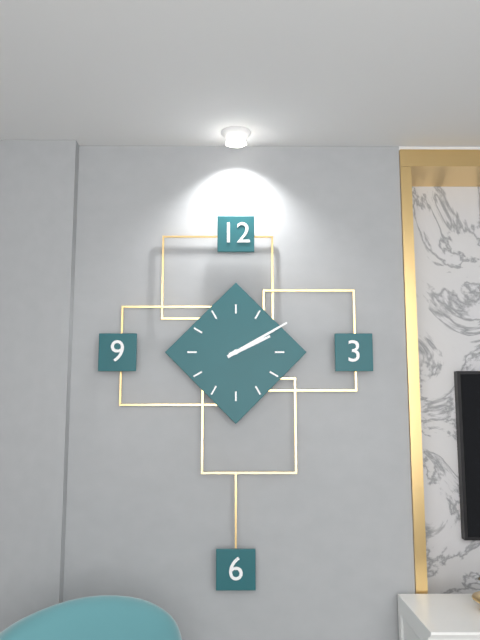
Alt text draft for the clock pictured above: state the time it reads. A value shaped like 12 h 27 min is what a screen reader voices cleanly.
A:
2 h 10 min
